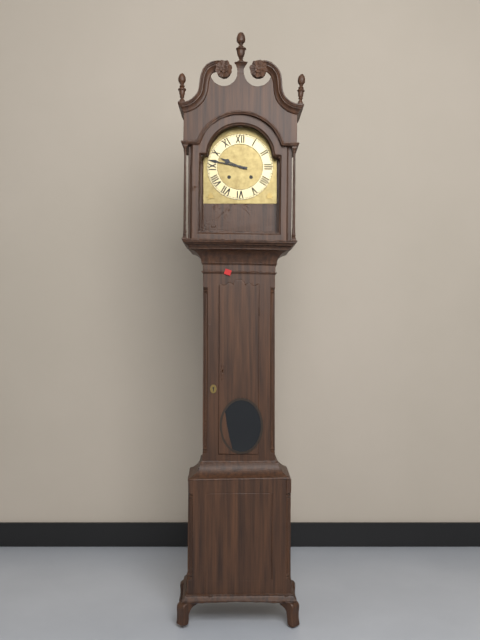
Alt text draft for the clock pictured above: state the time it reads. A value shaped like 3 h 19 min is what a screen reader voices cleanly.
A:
9 h 47 min
